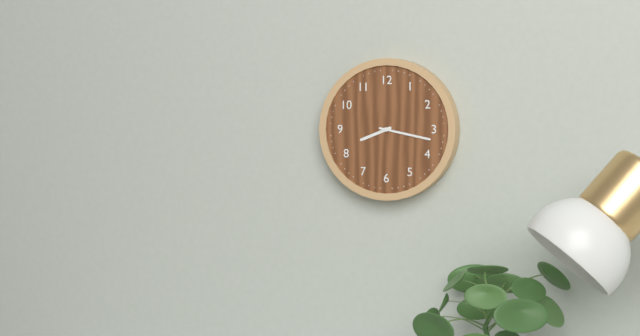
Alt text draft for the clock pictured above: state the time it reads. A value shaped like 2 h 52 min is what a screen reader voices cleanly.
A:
8 h 17 min
